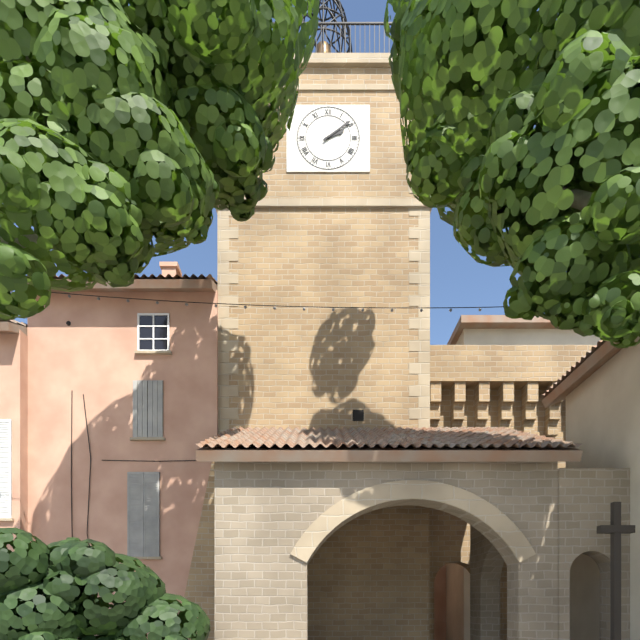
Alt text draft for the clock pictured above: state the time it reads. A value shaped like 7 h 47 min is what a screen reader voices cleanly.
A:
2 h 09 min
